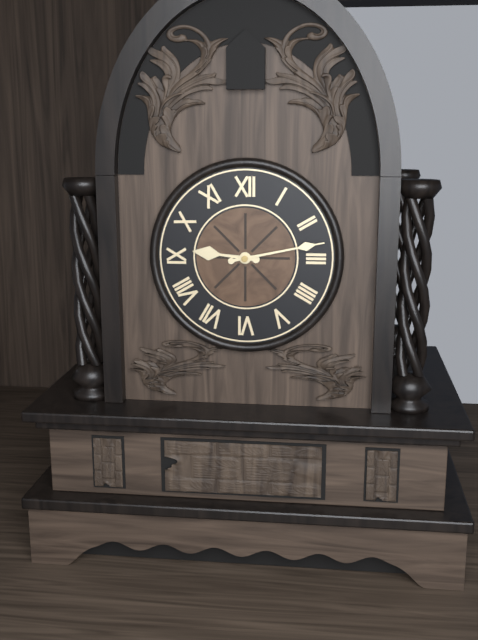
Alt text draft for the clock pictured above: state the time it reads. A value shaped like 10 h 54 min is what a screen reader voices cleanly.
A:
9 h 13 min
